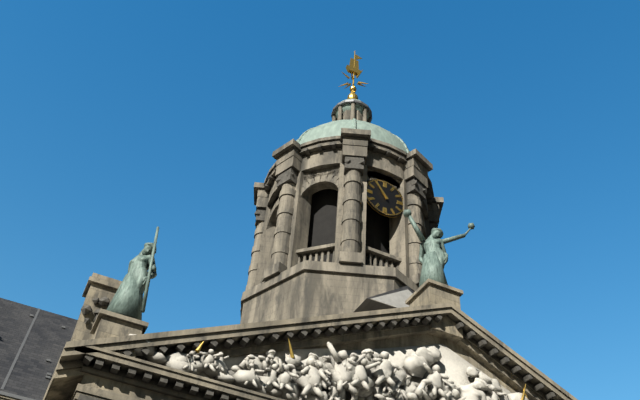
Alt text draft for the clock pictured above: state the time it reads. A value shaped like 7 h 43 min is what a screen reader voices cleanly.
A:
10 h 54 min
